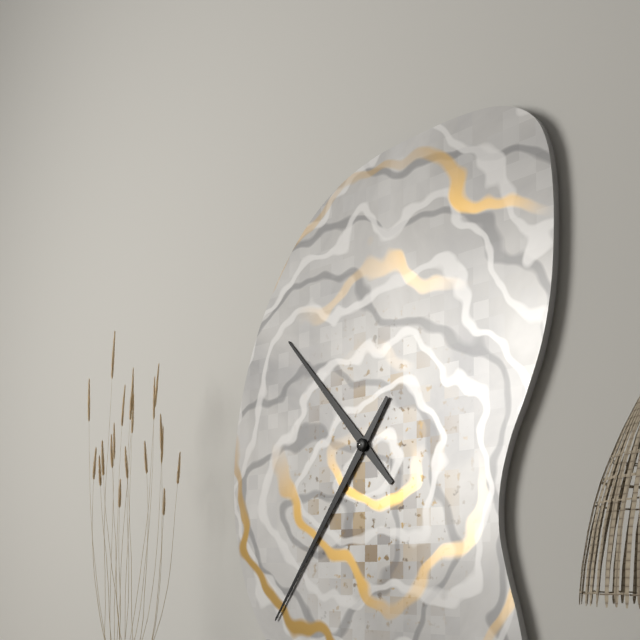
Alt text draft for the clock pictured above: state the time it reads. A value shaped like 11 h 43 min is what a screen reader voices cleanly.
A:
10 h 36 min
